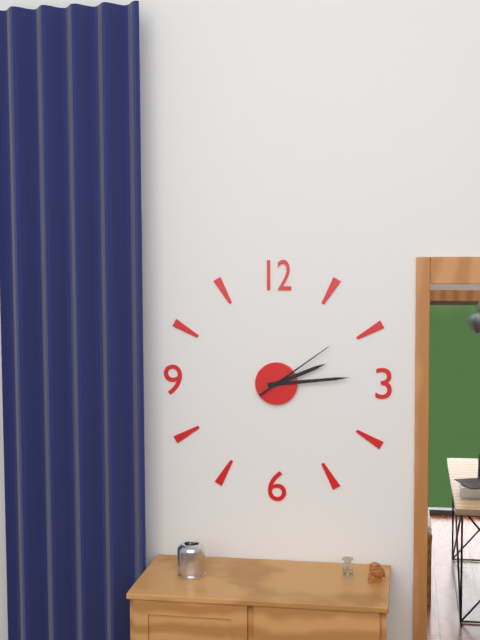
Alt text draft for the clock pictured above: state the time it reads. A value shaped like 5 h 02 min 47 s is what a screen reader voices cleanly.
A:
2 h 14 min 09 s
